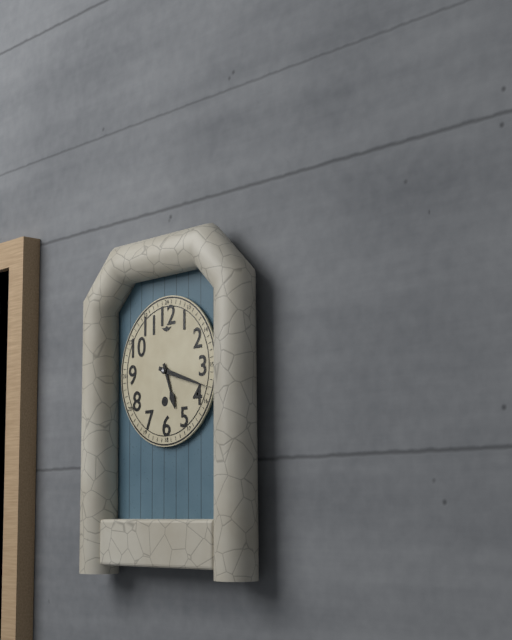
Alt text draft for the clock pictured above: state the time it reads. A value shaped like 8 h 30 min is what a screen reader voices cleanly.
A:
5 h 18 min
